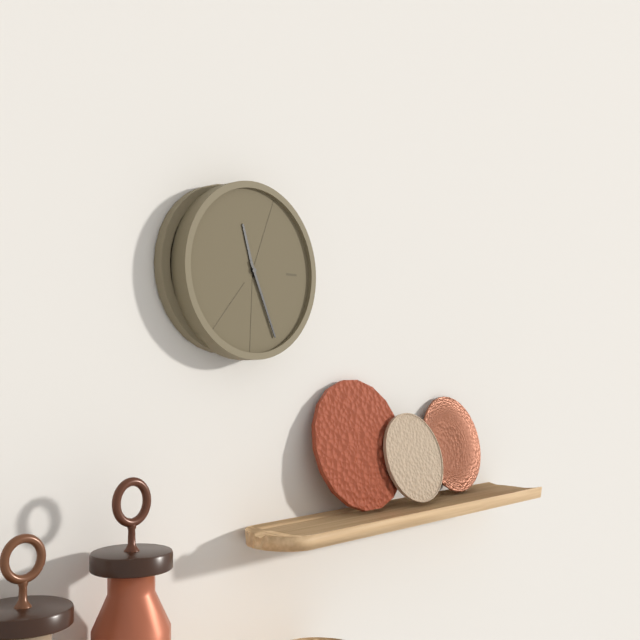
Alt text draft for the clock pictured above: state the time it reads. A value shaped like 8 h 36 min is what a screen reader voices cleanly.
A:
11 h 26 min
